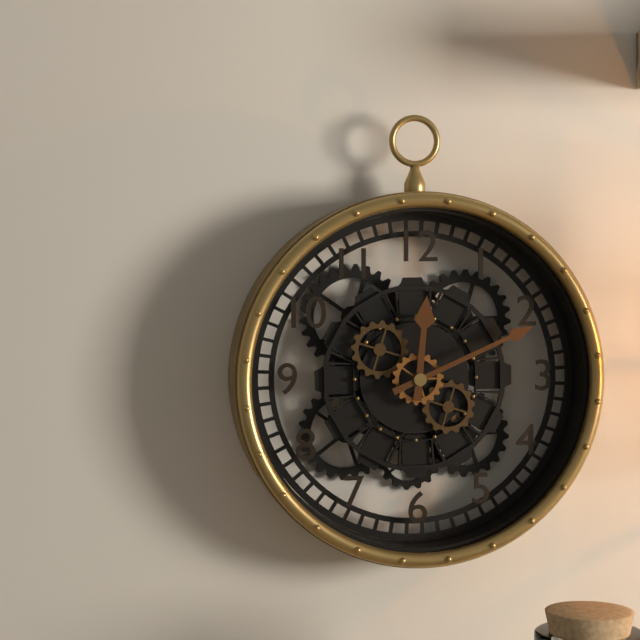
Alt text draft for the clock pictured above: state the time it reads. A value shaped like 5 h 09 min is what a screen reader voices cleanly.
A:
12 h 11 min
